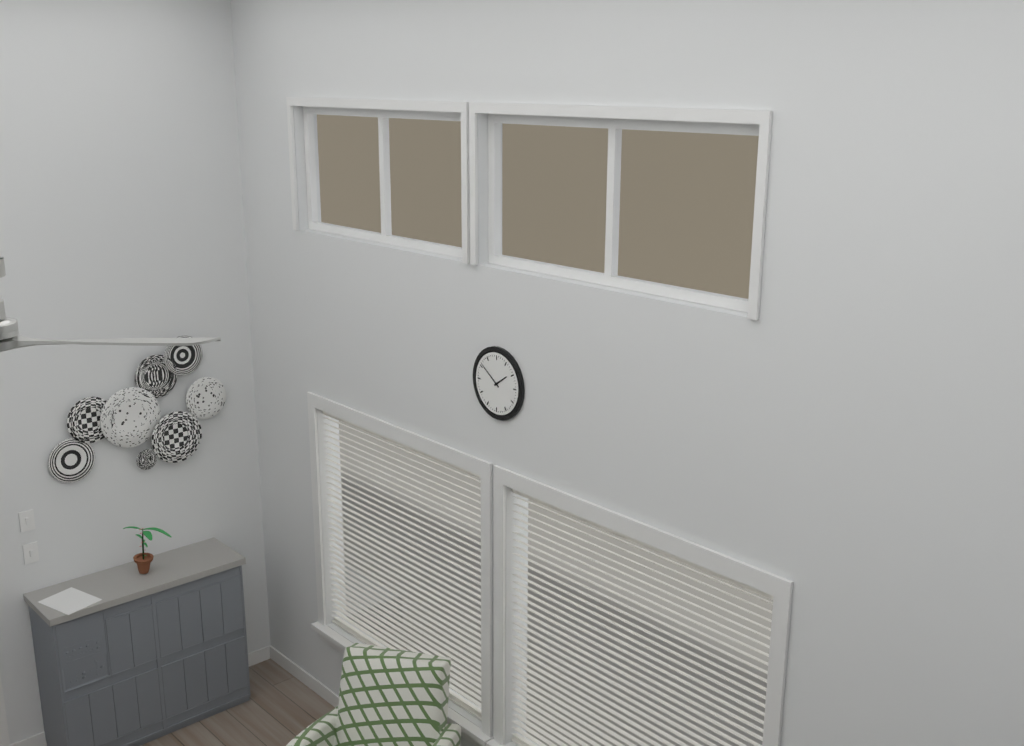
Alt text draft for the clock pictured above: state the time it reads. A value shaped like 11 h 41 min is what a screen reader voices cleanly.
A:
1 h 51 min
